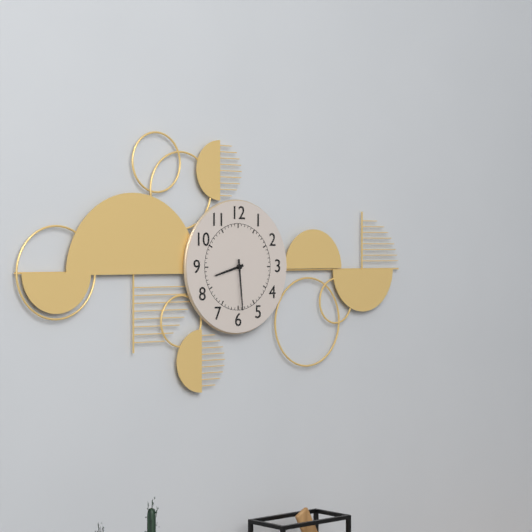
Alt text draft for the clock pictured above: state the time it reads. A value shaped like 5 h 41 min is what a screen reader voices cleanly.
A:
8 h 29 min
